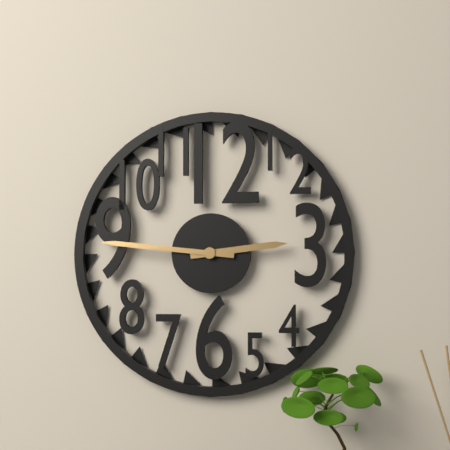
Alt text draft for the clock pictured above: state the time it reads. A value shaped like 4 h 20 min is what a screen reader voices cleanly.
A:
2 h 46 min
